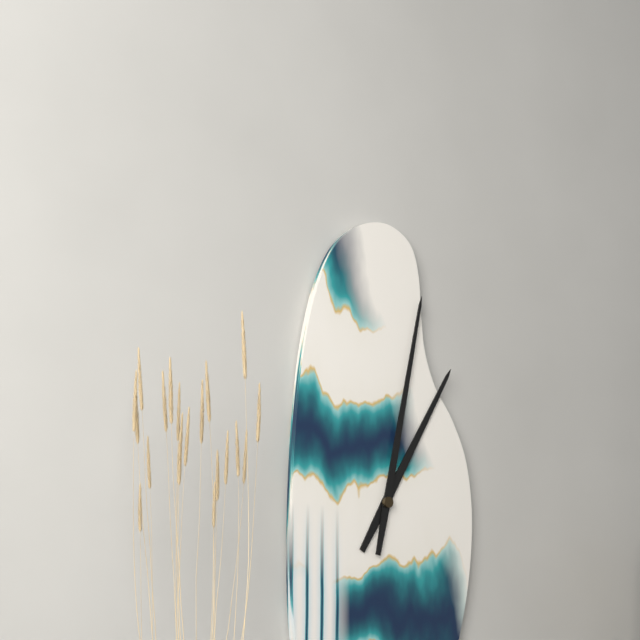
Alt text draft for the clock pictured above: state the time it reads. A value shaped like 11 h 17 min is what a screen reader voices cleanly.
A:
1 h 02 min
